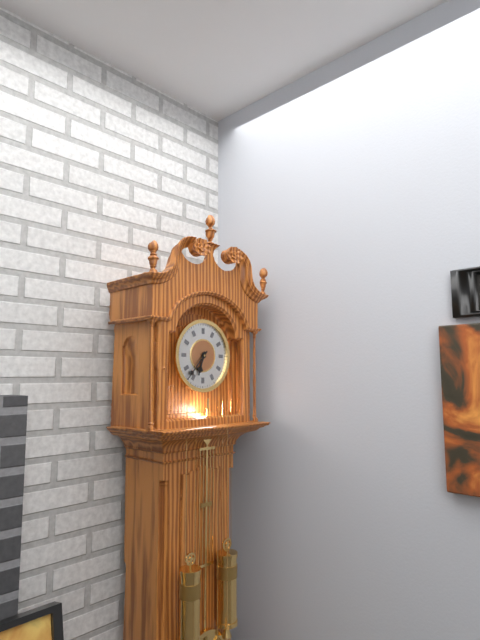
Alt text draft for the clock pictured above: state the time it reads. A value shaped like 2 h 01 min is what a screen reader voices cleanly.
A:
6 h 37 min
